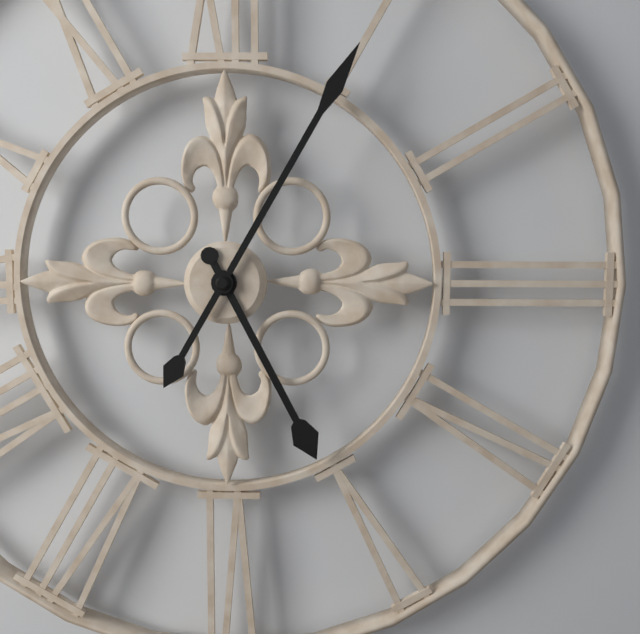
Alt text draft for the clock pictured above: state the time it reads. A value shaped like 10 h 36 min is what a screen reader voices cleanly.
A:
5 h 05 min
